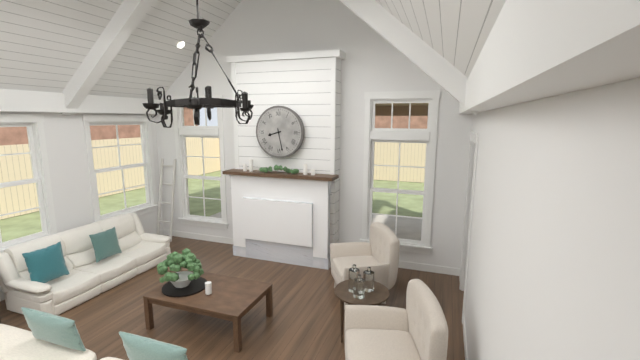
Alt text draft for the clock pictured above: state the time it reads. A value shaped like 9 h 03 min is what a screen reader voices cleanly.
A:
8 h 28 min
